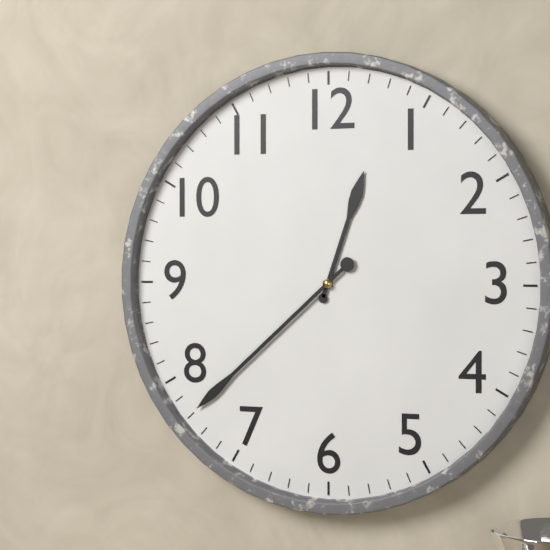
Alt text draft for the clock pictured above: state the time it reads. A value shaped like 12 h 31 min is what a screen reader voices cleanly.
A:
12 h 38 min
